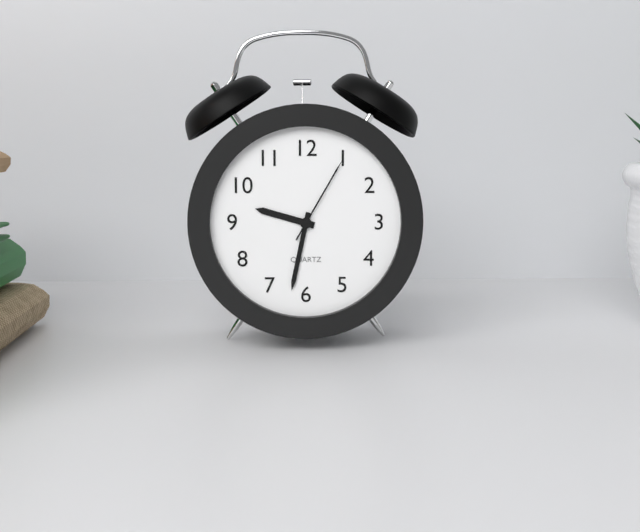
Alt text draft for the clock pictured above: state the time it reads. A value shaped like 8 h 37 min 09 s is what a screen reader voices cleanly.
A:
9 h 32 min 05 s
